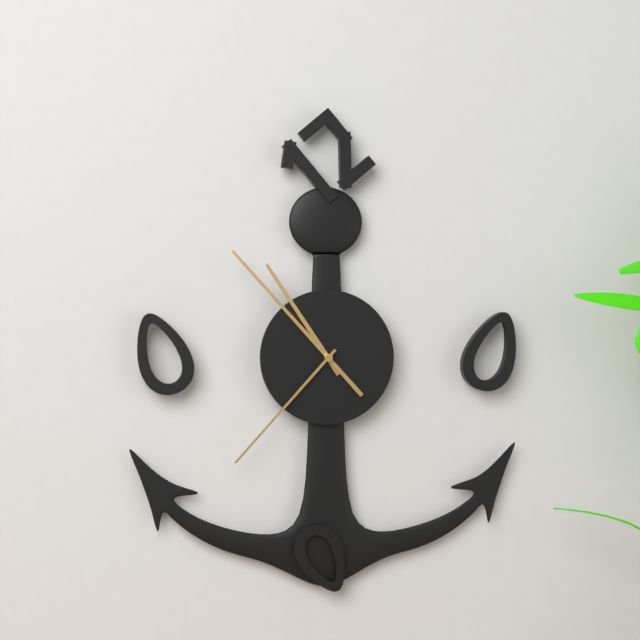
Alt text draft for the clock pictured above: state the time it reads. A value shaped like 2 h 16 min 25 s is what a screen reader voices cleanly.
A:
10 h 53 min 37 s
